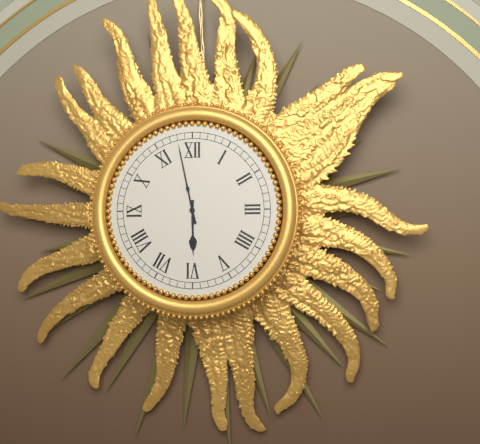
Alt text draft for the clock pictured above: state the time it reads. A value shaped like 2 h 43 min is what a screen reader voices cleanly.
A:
5 h 58 min
